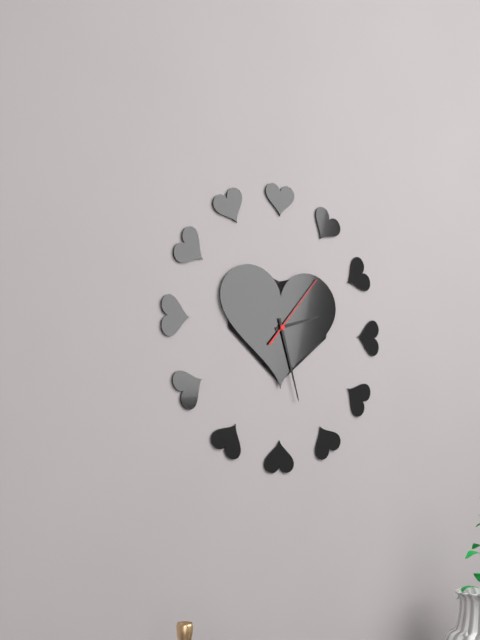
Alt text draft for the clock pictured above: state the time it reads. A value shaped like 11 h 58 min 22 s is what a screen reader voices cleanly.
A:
2 h 27 min 07 s
